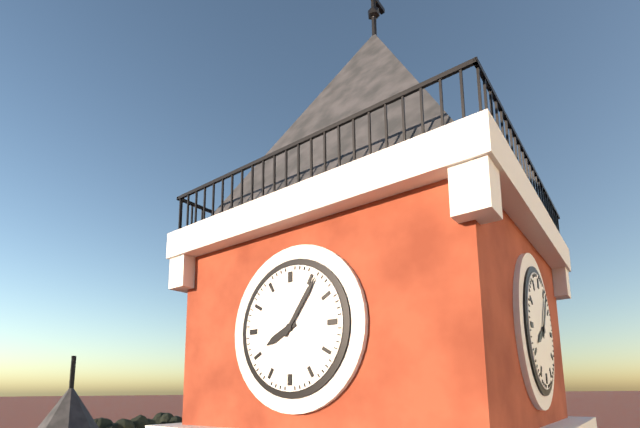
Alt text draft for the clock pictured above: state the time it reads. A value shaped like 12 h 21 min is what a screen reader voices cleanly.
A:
8 h 06 min
